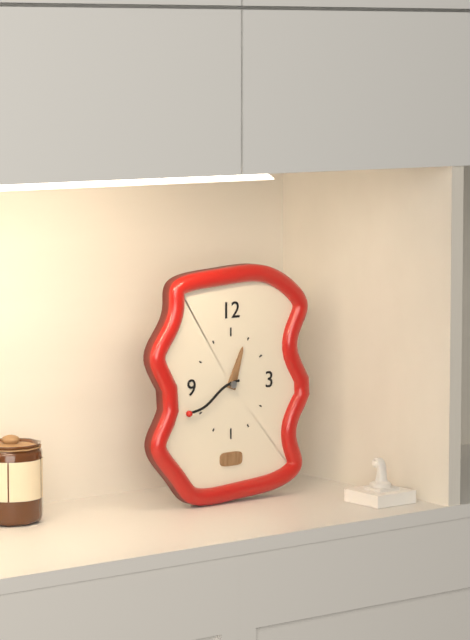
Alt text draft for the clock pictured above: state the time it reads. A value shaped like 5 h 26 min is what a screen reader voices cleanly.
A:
12 h 41 min
